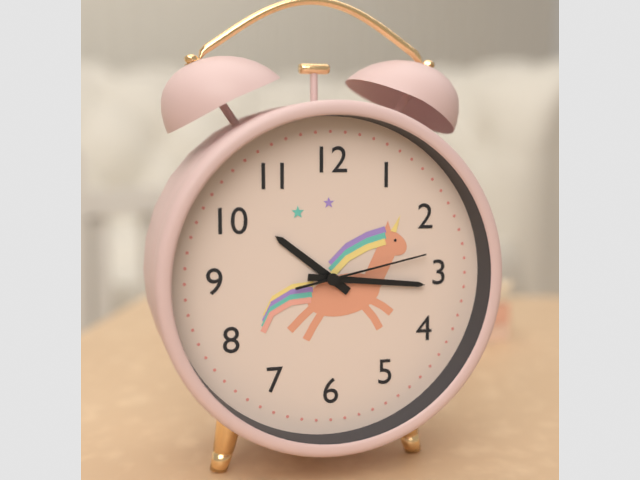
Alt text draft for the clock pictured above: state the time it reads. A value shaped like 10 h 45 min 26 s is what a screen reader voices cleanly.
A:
10 h 16 min 13 s
